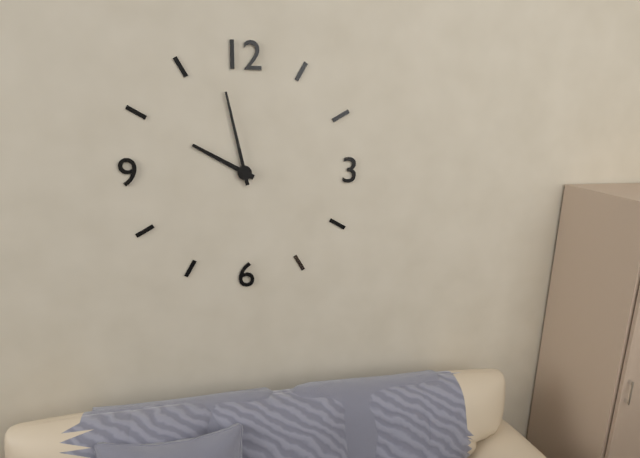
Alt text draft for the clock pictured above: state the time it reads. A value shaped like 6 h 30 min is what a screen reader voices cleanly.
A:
9 h 58 min
